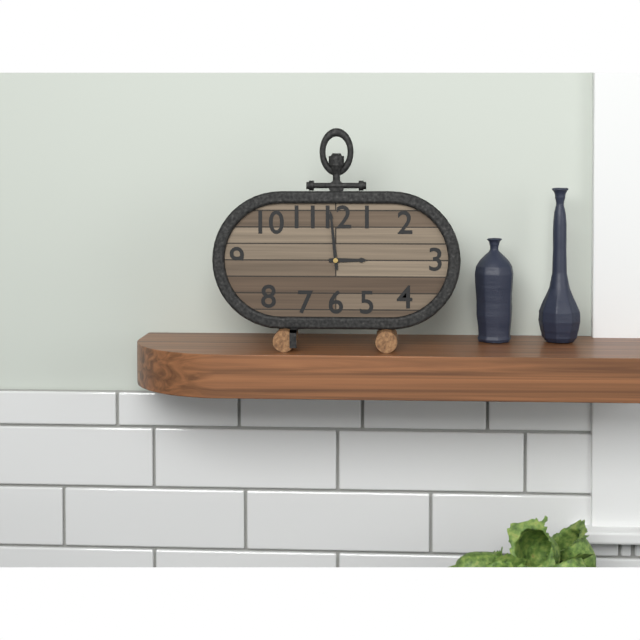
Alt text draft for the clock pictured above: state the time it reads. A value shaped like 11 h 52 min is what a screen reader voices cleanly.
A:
2 h 59 min
